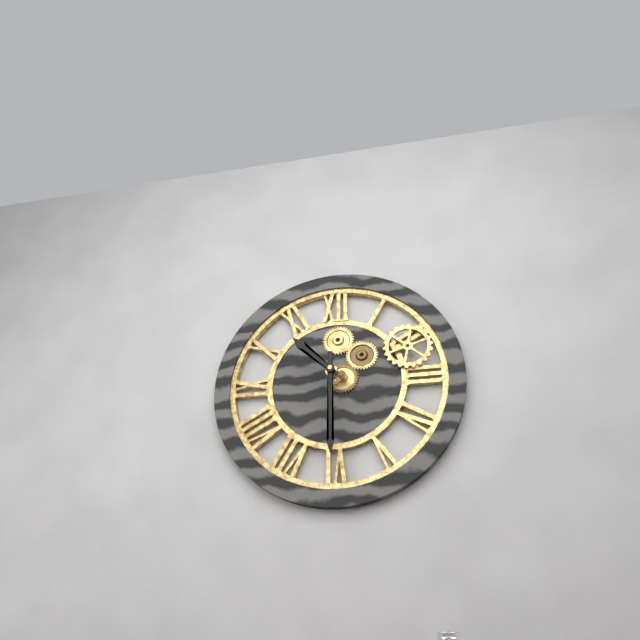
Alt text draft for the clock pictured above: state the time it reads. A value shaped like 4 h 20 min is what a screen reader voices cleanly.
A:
10 h 30 min
